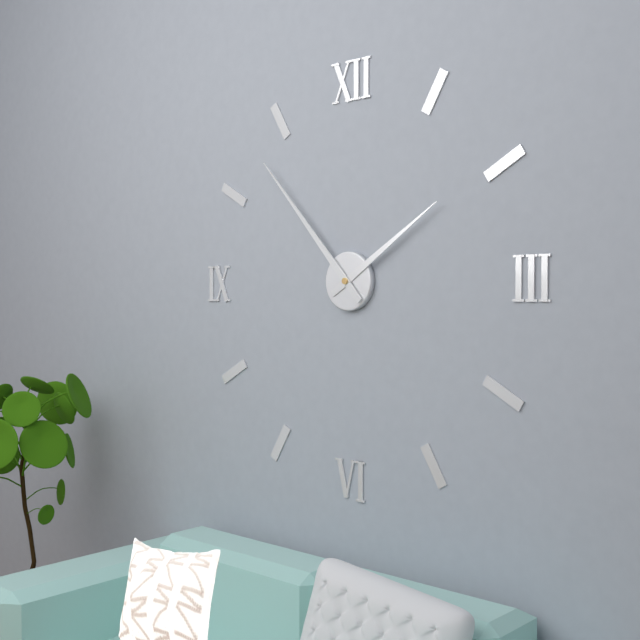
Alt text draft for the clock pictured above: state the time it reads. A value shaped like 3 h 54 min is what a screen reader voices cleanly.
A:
1 h 53 min
